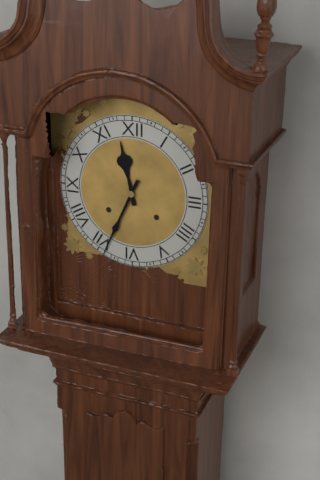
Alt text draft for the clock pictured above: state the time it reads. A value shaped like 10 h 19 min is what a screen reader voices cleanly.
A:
11 h 34 min
